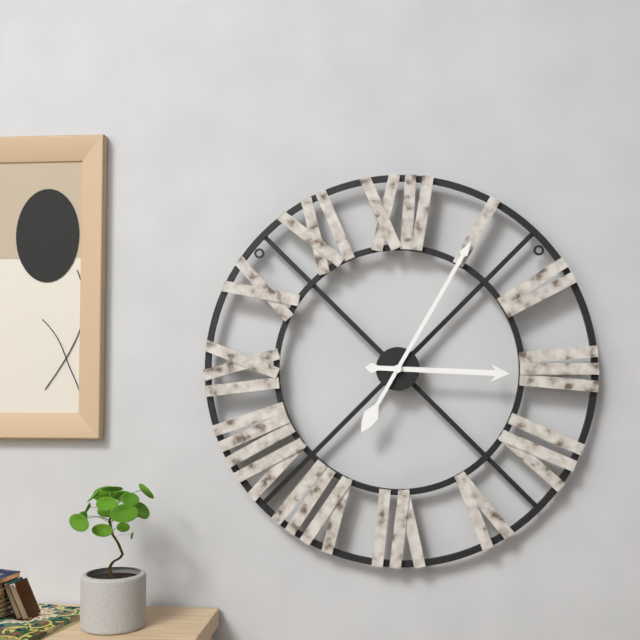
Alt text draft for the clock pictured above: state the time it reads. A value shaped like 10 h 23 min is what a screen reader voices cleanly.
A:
3 h 05 min
